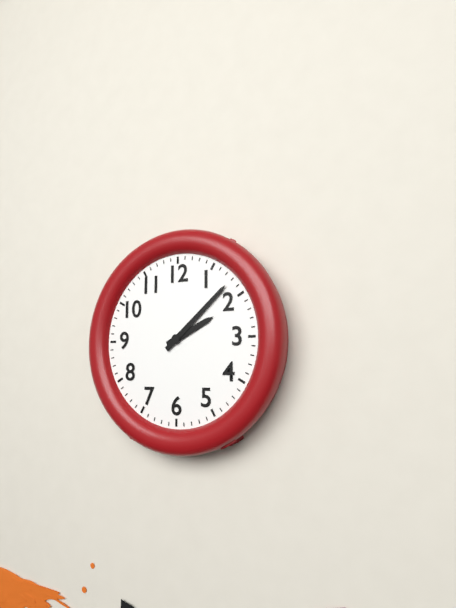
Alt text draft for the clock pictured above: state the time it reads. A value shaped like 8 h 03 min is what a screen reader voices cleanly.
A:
2 h 08 min
